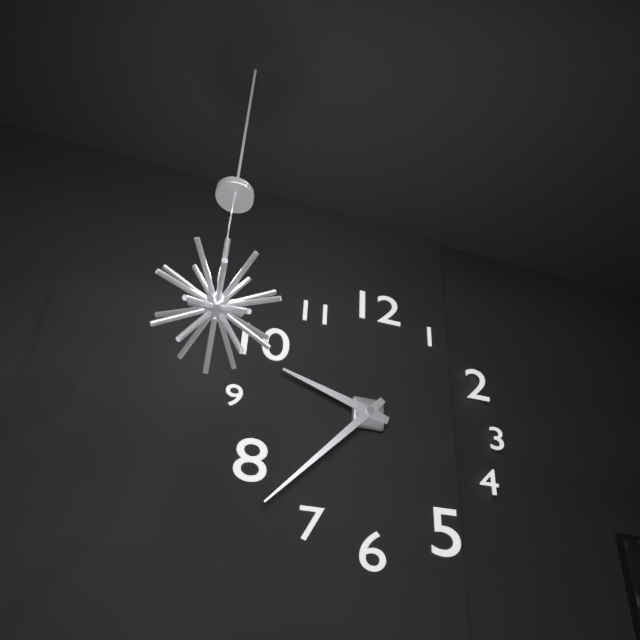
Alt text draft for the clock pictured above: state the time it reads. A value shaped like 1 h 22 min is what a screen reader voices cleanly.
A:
9 h 37 min
